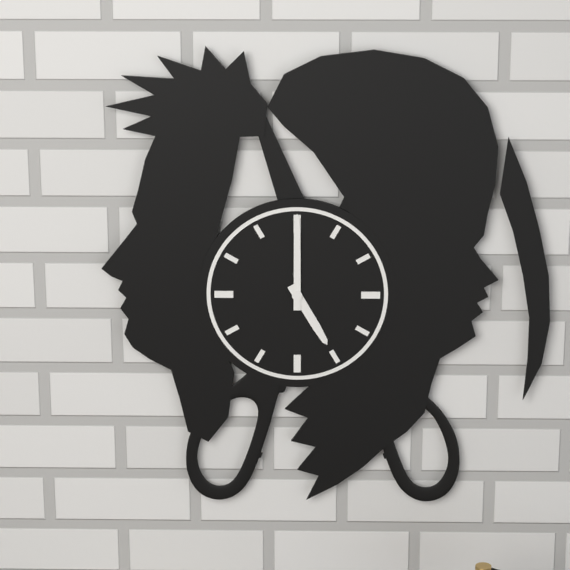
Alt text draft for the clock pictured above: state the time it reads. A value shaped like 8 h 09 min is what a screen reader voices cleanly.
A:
5 h 00 min
